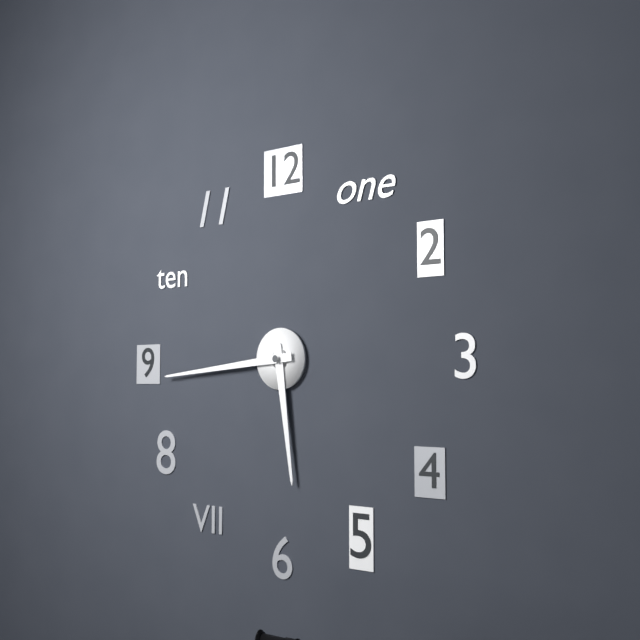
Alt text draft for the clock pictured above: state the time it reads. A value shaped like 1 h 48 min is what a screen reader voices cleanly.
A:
5 h 44 min
